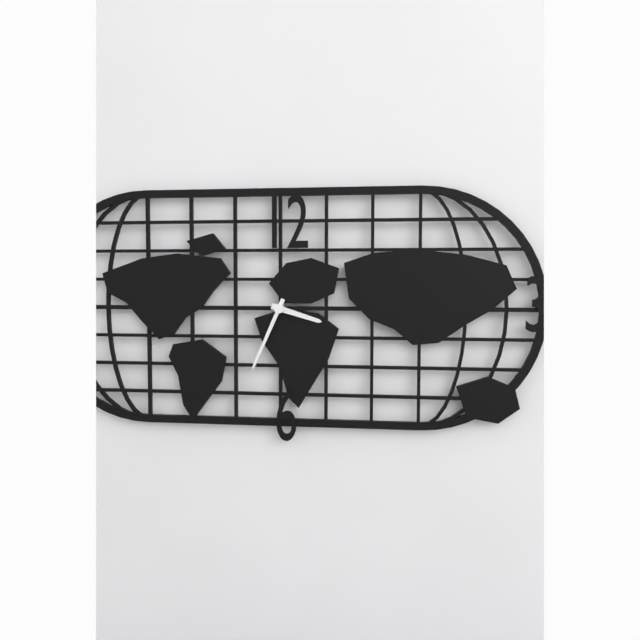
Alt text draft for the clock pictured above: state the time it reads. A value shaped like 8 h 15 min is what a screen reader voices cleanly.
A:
3 h 34 min
